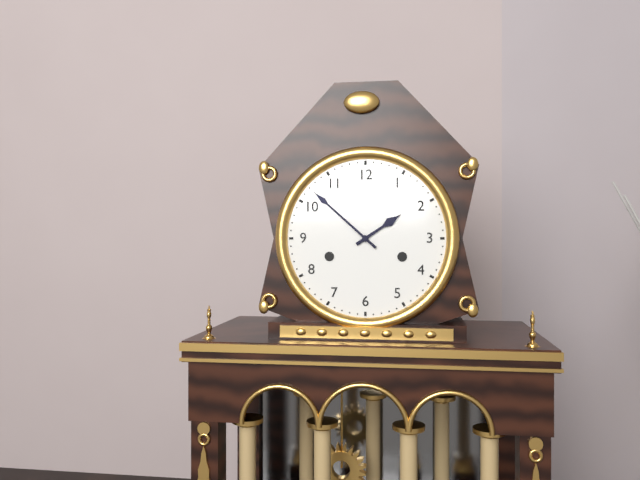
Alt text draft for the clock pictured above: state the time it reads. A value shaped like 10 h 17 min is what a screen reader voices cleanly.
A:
1 h 52 min
